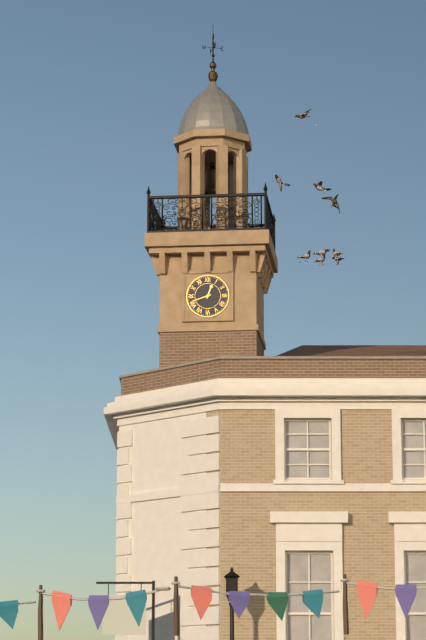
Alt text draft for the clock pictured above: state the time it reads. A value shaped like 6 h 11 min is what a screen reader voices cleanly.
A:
12 h 42 min
